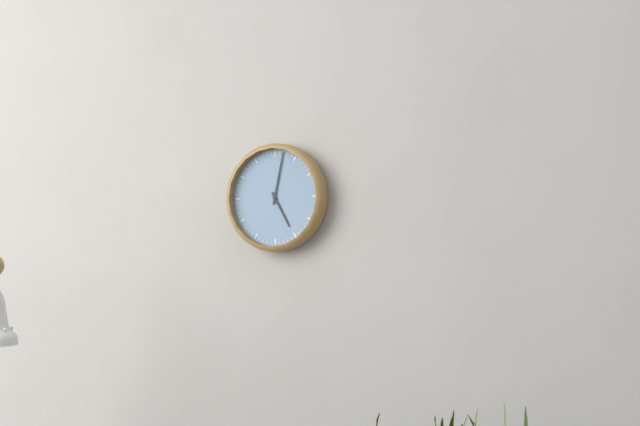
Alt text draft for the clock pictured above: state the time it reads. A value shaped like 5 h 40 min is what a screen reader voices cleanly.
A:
5 h 02 min
